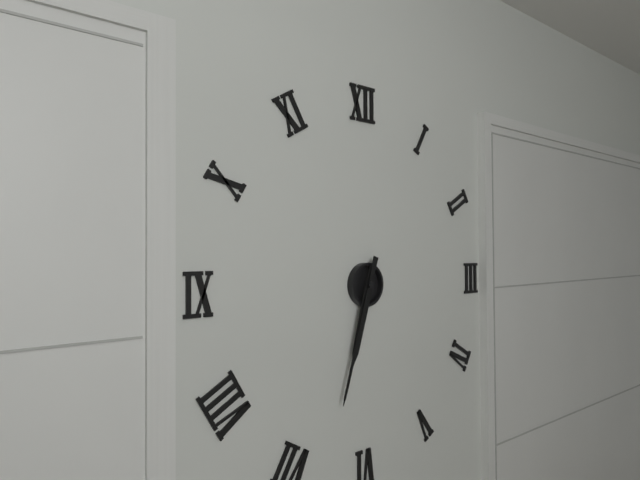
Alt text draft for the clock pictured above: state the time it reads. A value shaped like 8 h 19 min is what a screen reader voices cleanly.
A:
6 h 33 min
